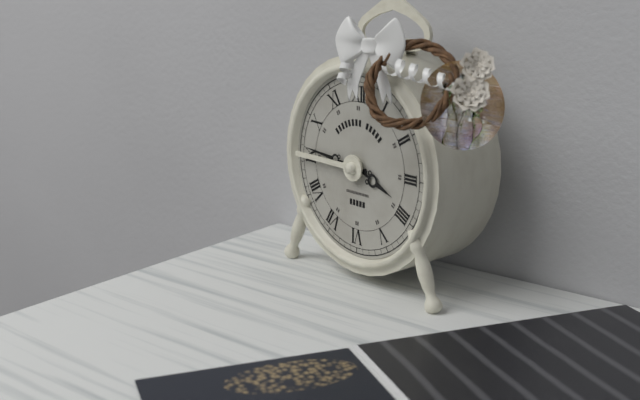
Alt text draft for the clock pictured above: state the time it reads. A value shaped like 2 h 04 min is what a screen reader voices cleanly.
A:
3 h 46 min
